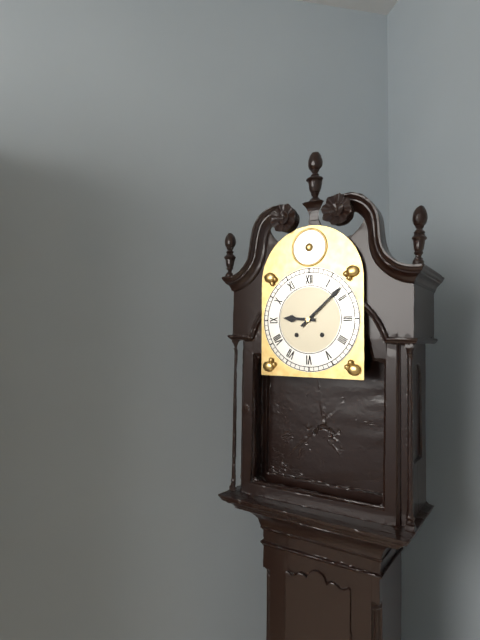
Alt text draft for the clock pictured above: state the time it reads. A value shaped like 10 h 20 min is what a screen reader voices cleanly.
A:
9 h 08 min
